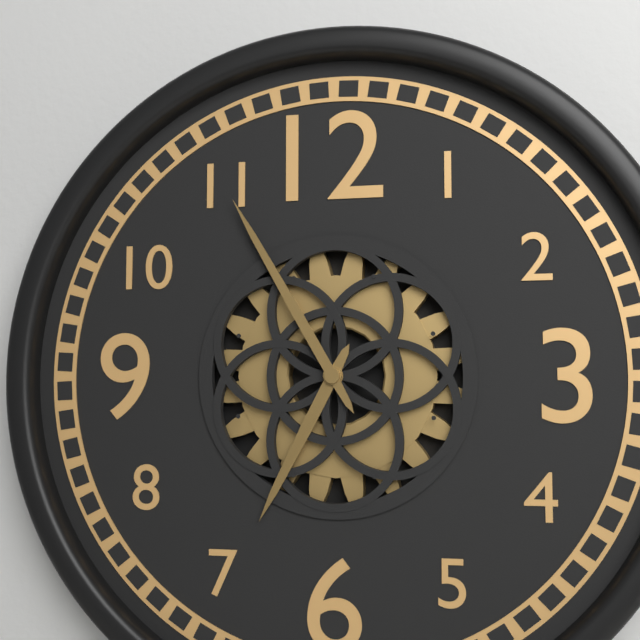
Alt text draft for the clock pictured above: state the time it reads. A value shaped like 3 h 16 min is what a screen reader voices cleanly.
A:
6 h 55 min
